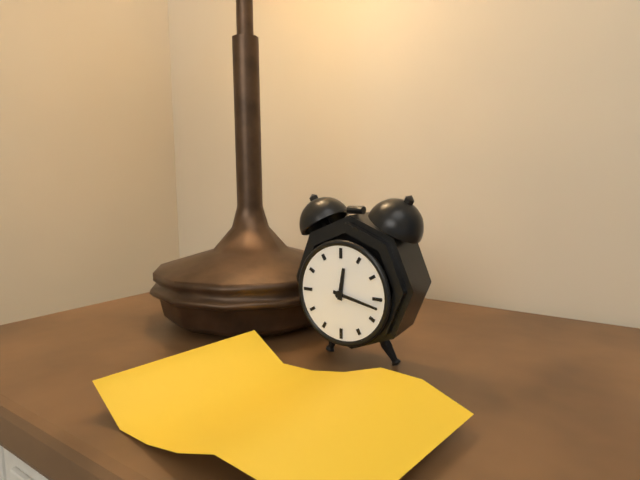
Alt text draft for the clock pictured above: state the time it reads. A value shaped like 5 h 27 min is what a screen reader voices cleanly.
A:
12 h 17 min
